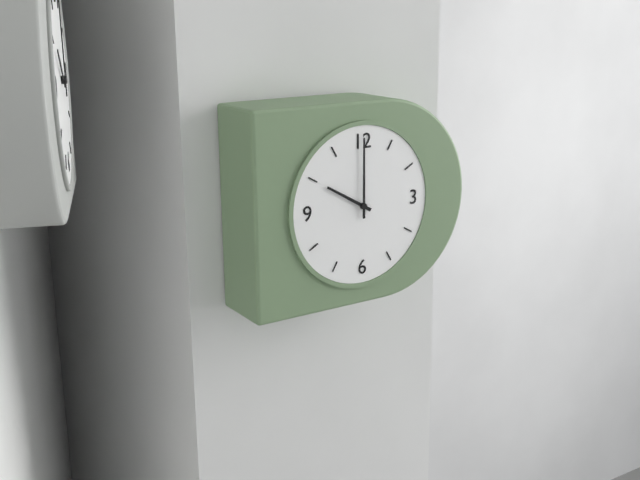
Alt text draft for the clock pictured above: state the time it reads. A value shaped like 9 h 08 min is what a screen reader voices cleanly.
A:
10 h 00 min
